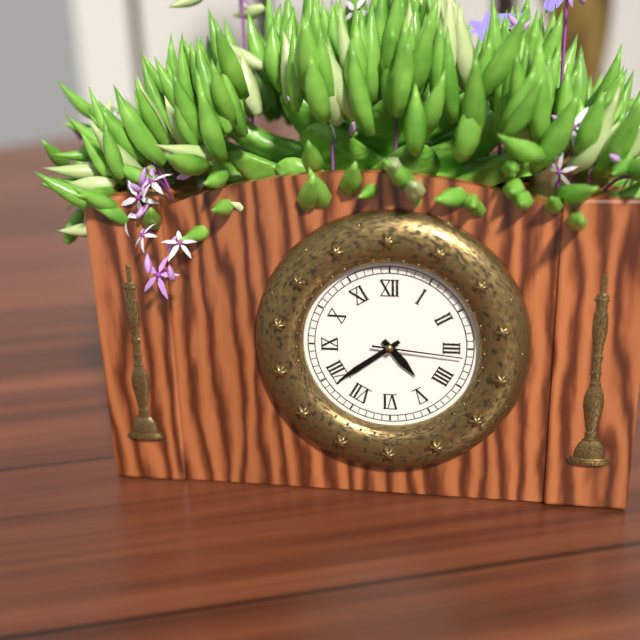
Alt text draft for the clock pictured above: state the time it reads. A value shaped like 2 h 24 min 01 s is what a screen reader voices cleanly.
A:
4 h 39 min 16 s
